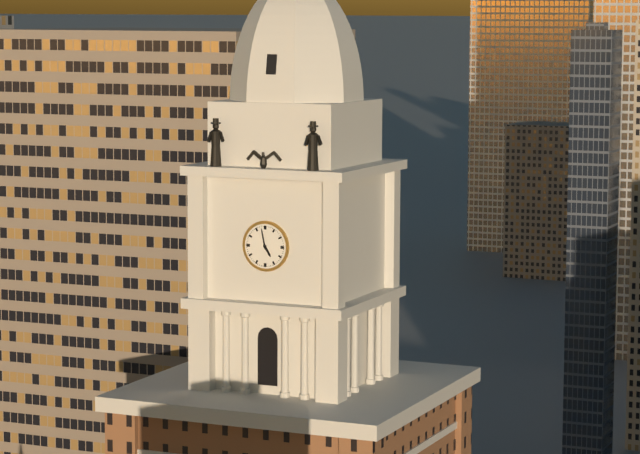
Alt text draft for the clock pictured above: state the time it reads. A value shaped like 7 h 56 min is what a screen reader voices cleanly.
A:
4 h 58 min
